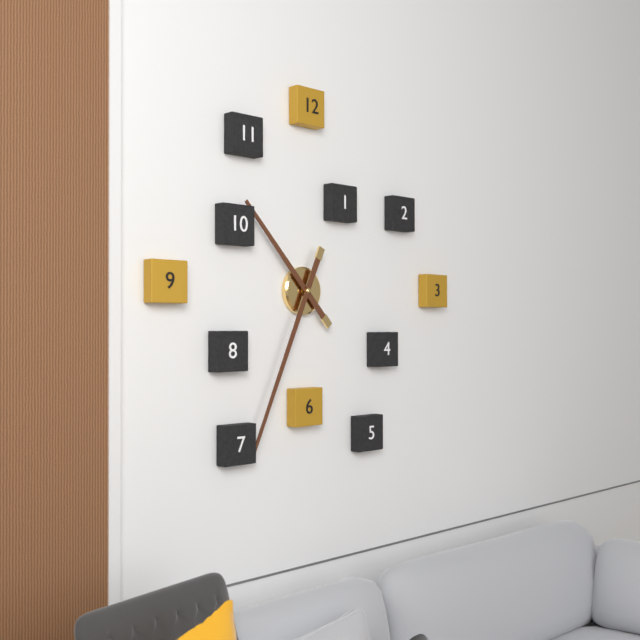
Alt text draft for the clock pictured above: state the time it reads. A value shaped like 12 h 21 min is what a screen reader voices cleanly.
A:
10 h 34 min
